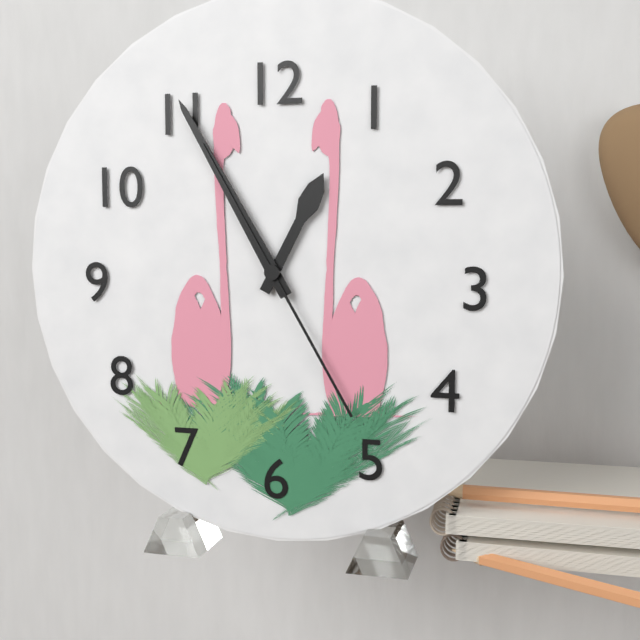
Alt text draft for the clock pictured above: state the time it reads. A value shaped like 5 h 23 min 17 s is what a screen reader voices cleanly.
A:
12 h 55 min 25 s
